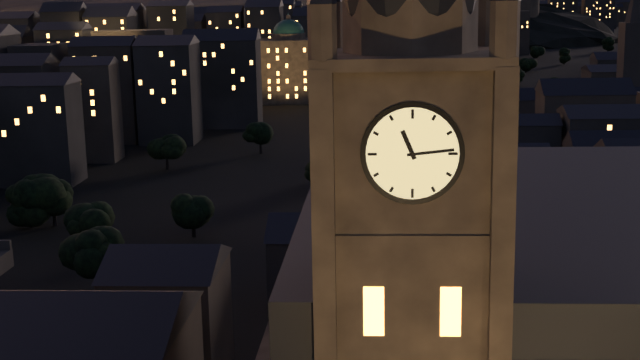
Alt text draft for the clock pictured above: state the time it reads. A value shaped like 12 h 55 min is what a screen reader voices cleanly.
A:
11 h 14 min
